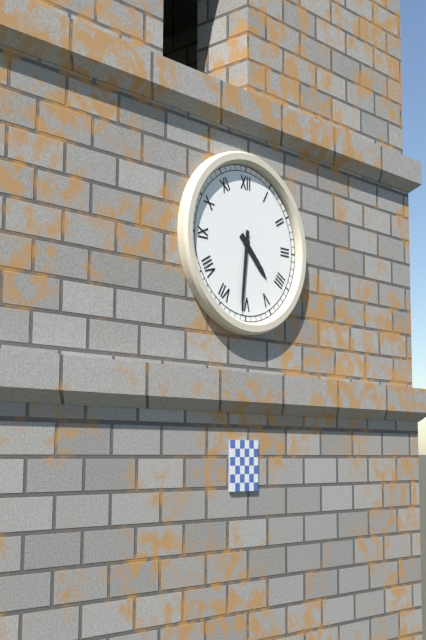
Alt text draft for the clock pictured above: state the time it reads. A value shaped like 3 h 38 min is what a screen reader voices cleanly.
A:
4 h 31 min
